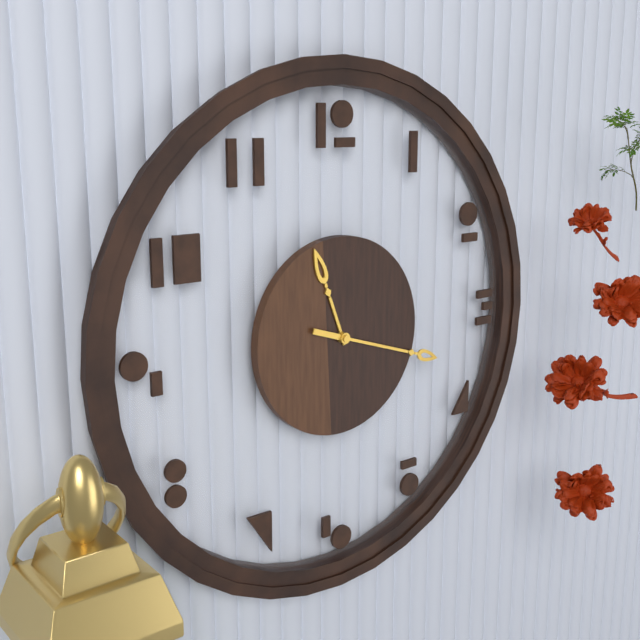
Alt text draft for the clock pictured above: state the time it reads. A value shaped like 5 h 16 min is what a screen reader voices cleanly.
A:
11 h 18 min
